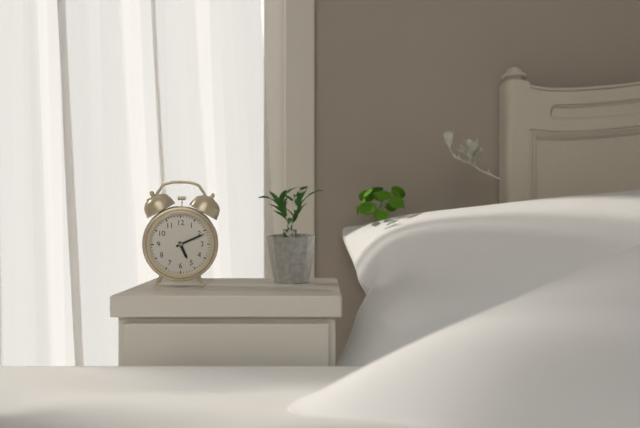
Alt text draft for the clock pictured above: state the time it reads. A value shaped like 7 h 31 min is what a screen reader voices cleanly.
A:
5 h 11 min
